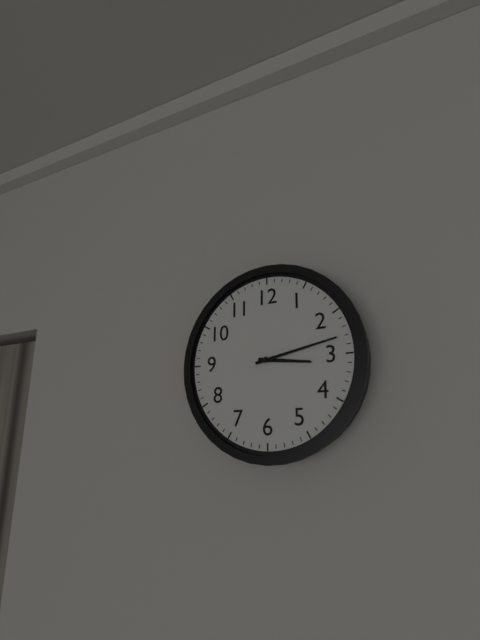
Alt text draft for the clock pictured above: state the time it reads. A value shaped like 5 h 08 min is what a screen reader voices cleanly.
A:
3 h 13 min
